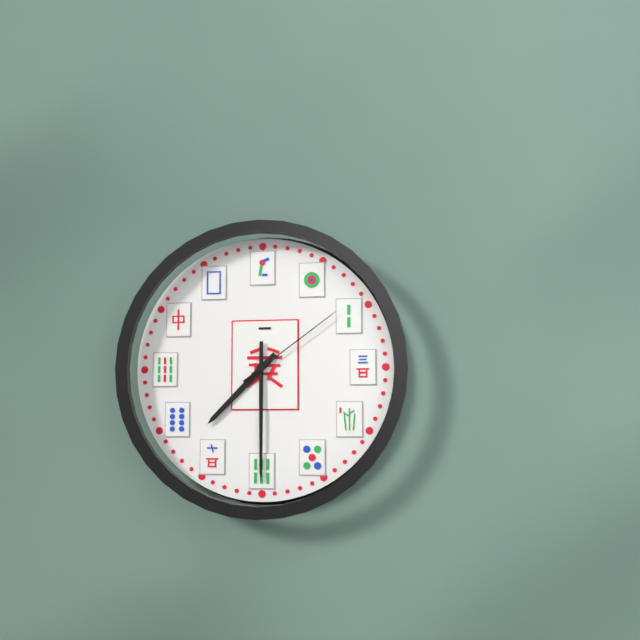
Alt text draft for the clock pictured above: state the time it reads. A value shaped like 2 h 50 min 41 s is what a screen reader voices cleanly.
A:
7 h 30 min 09 s
